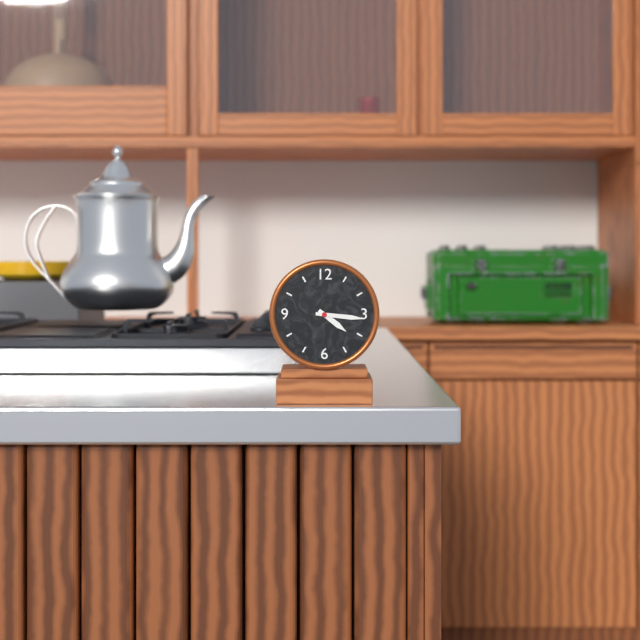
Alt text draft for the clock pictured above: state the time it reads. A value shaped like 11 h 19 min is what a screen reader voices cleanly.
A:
4 h 16 min
